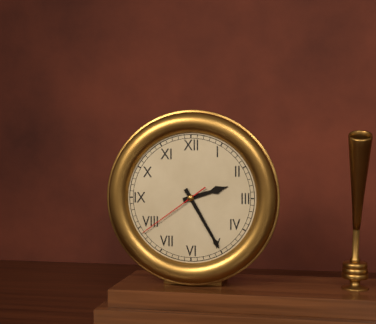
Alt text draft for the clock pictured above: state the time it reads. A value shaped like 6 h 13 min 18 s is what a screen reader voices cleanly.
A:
2 h 25 min 39 s
